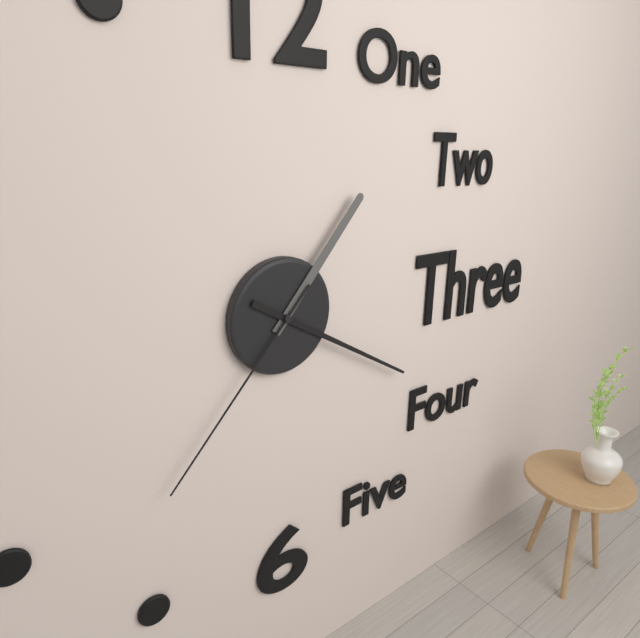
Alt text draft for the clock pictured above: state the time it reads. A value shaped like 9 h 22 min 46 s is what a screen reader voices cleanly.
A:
1 h 20 min 37 s
